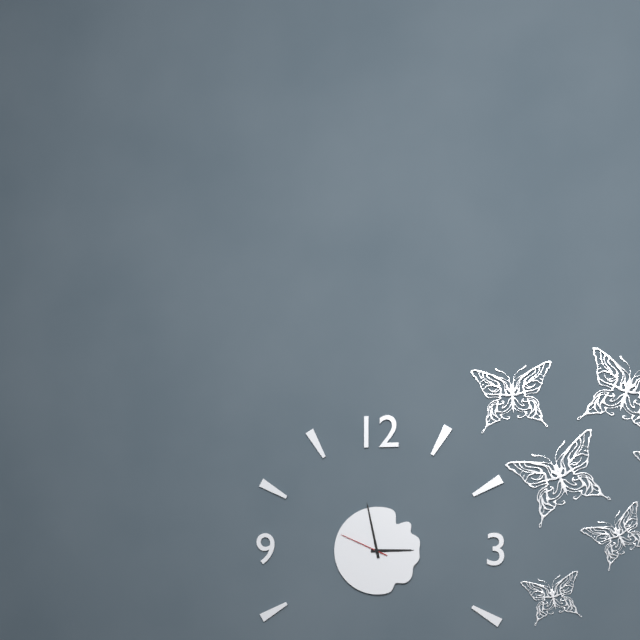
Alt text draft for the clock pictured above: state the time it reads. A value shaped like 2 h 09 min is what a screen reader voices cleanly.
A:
2 h 58 min
